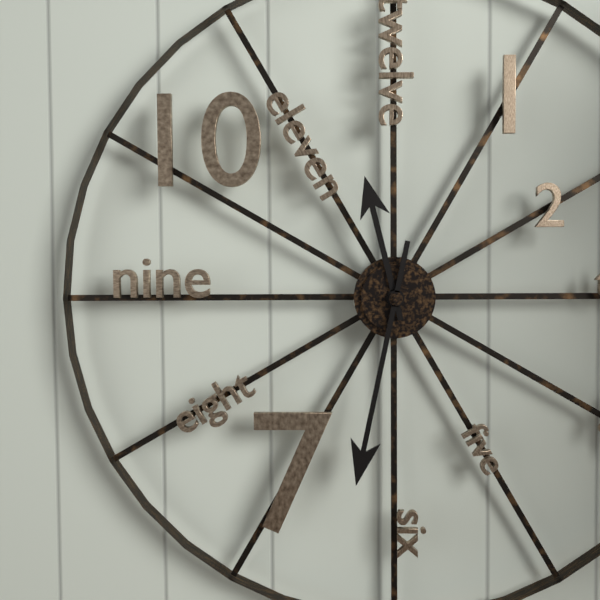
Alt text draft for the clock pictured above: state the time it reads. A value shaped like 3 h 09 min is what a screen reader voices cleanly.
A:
11 h 32 min
